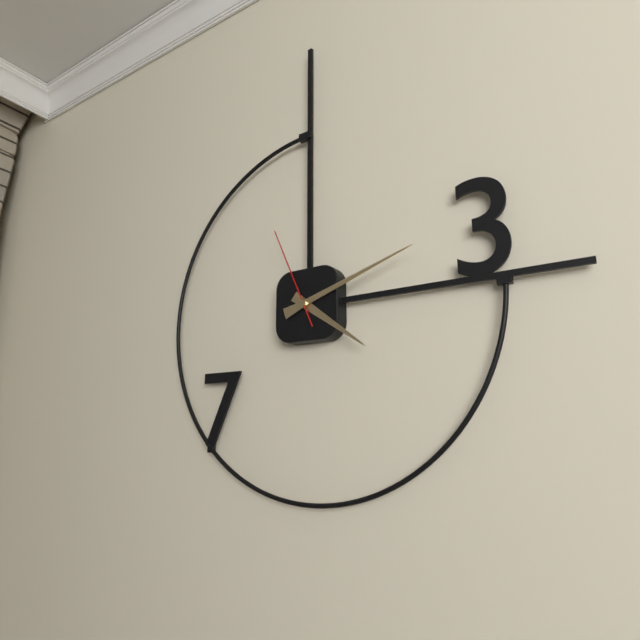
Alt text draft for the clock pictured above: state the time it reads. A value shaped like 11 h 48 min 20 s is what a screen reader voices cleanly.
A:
4 h 12 min 56 s
